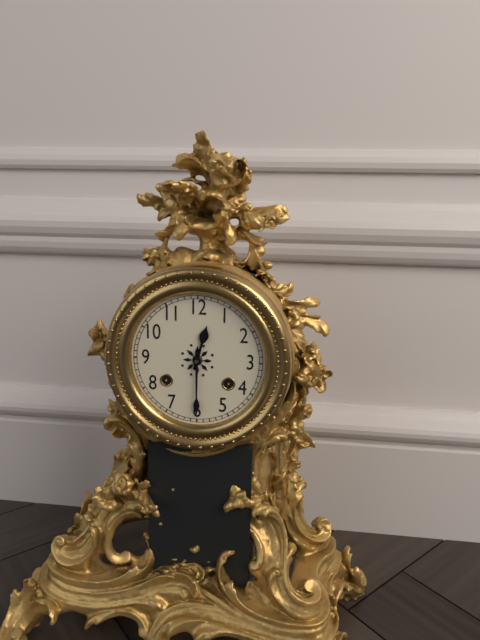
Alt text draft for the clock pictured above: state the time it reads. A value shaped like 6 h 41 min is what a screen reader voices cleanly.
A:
12 h 30 min
